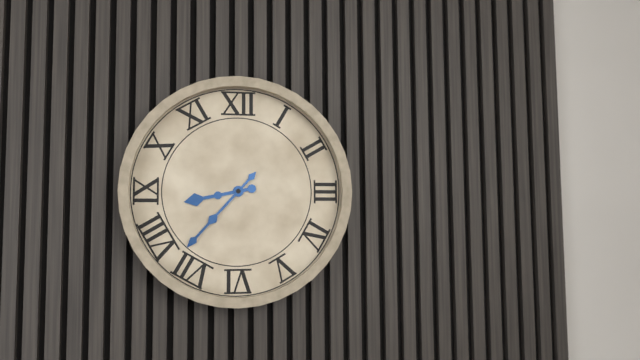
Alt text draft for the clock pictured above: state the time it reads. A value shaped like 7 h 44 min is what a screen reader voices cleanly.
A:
8 h 37 min
